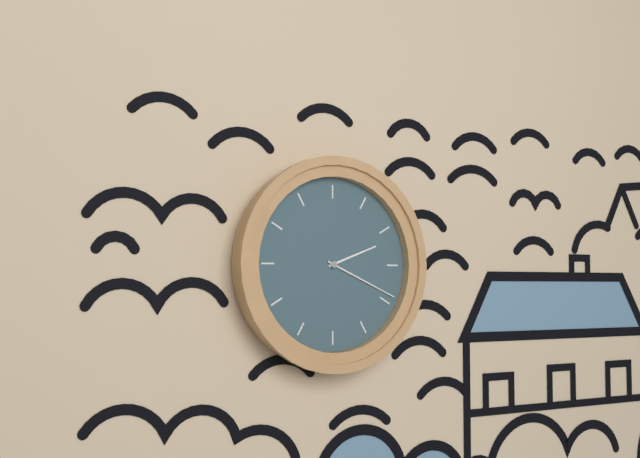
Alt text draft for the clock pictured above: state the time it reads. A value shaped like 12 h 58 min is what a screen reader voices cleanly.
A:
2 h 19 min
